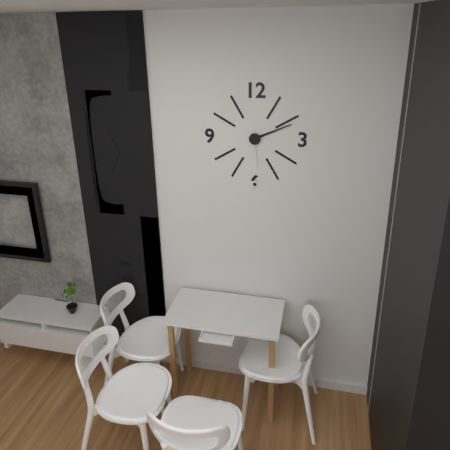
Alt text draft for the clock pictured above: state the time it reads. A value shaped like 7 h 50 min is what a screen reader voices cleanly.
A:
2 h 11 min
